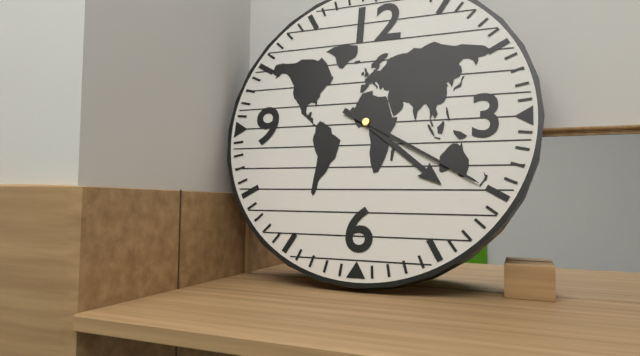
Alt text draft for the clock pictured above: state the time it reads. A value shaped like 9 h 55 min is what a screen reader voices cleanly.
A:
4 h 20 min
